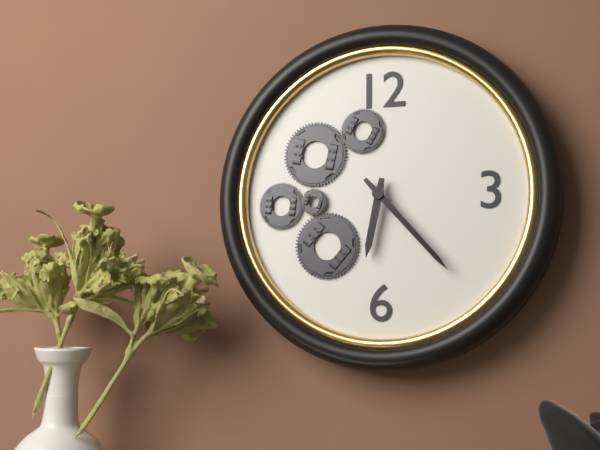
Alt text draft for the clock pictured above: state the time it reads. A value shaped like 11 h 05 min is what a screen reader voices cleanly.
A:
6 h 23 min
